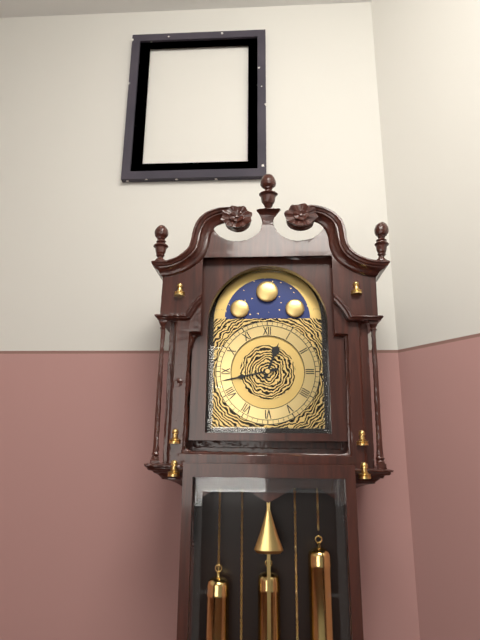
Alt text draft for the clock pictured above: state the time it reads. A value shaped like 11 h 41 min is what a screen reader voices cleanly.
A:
12 h 43 min
